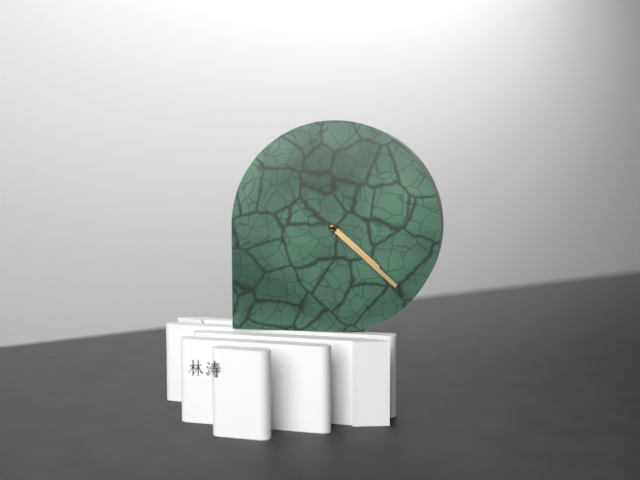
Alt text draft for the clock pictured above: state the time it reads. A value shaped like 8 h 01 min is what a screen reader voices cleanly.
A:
4 h 22 min
